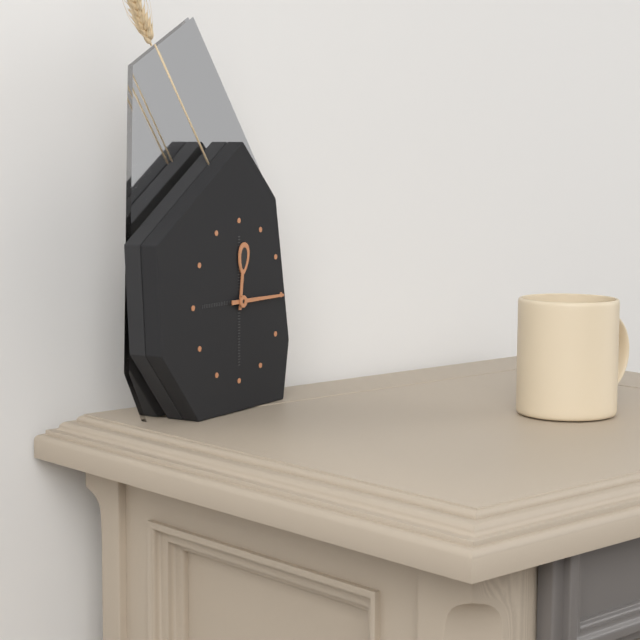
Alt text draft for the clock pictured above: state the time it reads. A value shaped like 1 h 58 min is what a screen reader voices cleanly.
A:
12 h 15 min
